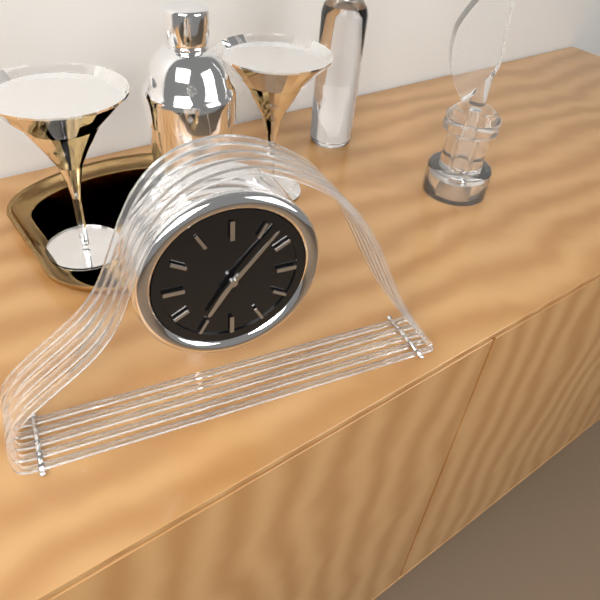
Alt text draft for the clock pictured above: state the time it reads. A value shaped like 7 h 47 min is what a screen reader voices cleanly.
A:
7 h 07 min
